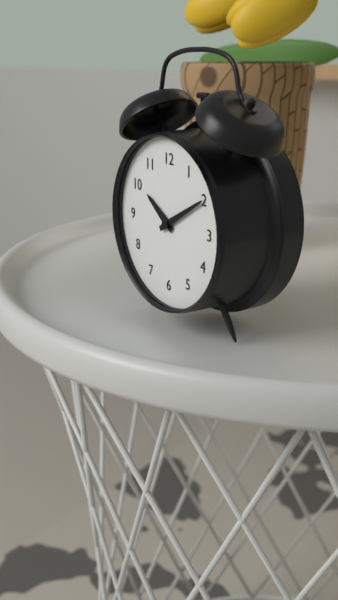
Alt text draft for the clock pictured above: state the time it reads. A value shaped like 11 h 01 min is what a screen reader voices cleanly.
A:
10 h 10 min
